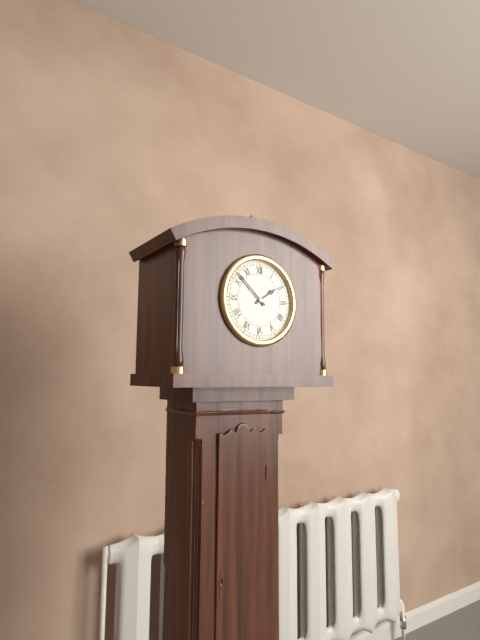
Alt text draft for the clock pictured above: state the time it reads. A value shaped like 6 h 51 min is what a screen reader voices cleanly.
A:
1 h 52 min
